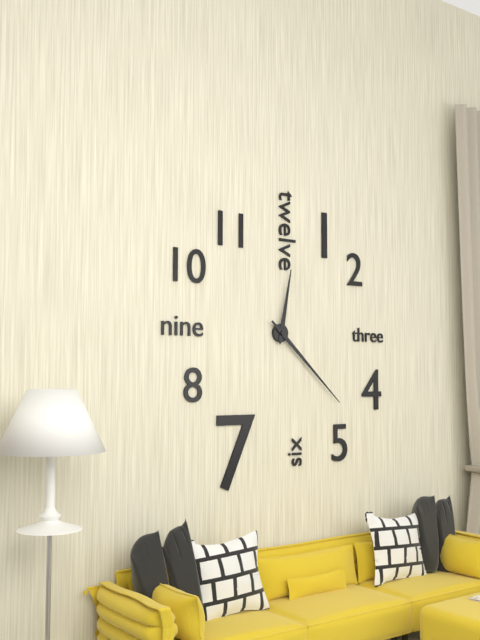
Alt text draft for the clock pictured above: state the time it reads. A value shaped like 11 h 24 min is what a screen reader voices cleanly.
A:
12 h 22 min
